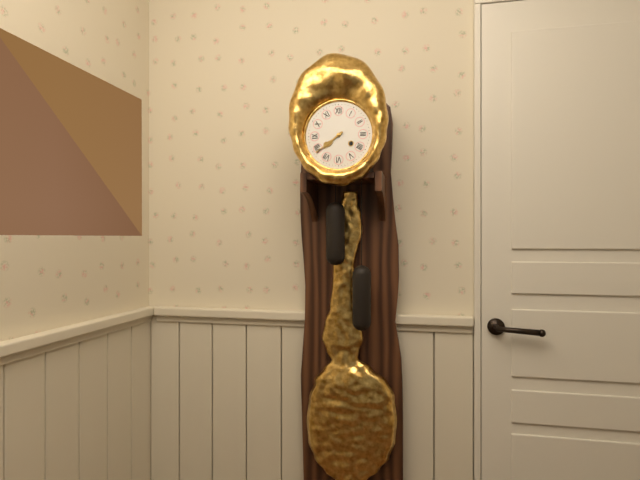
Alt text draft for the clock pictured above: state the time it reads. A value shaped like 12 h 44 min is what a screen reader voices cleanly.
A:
7 h 39 min
